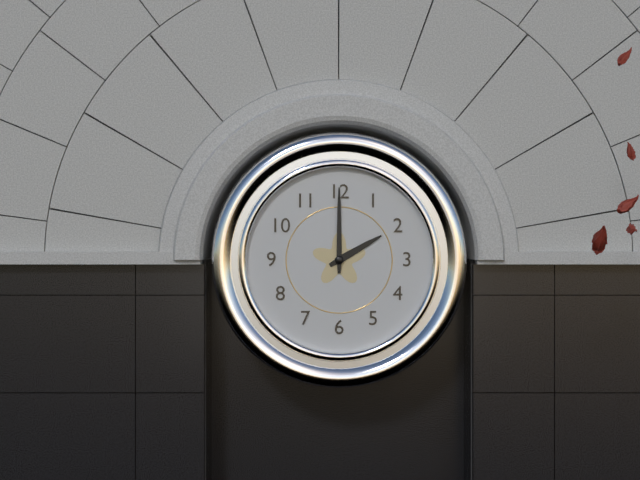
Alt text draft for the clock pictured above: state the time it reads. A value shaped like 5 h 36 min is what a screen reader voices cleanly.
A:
2 h 00 min
